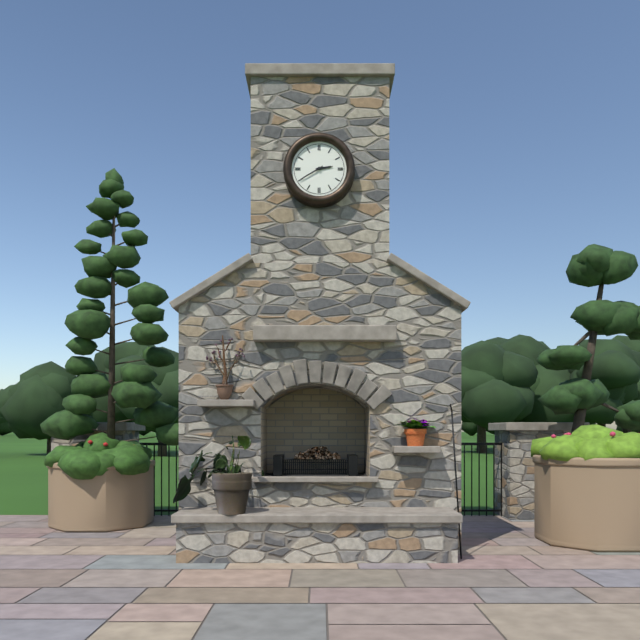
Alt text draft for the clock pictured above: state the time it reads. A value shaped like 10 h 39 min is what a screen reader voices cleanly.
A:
2 h 40 min
